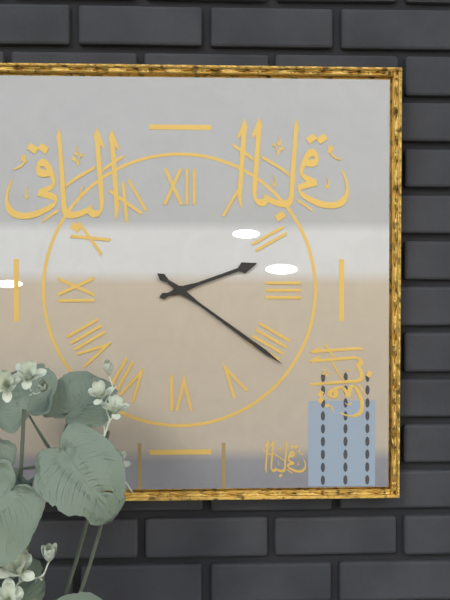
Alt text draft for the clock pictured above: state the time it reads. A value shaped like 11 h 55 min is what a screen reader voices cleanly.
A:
2 h 21 min
